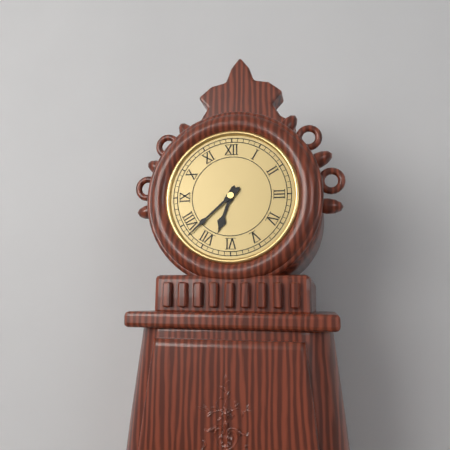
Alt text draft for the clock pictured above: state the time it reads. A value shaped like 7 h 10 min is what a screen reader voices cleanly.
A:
6 h 38 min
